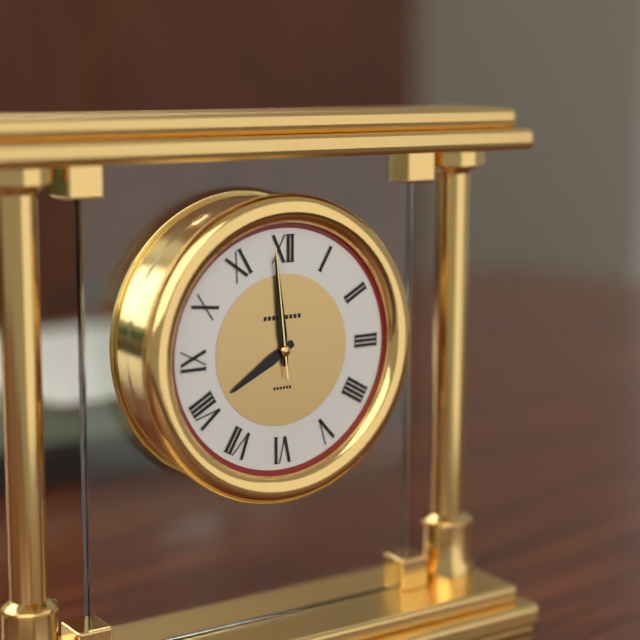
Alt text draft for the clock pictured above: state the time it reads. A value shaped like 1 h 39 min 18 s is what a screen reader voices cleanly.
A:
7 h 59 min 59 s
